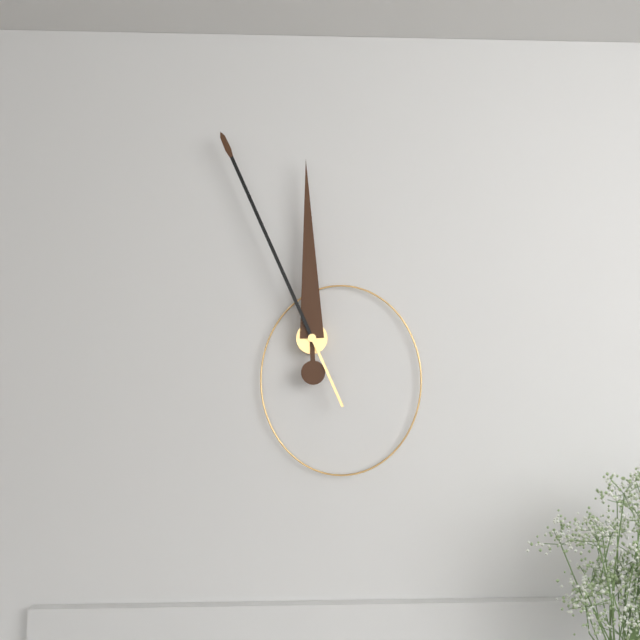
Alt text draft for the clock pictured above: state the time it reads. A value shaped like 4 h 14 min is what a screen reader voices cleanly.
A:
11 h 56 min
